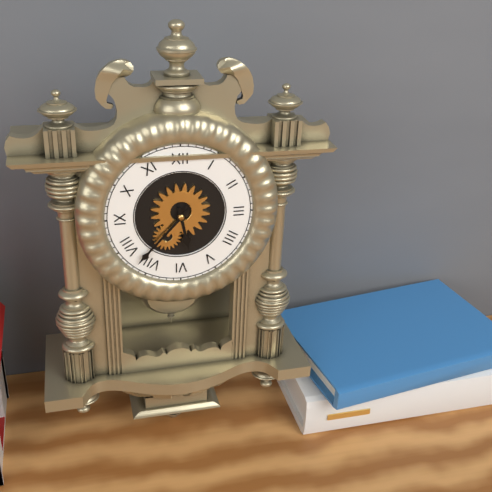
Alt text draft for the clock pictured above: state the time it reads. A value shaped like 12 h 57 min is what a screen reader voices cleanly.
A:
5 h 37 min
